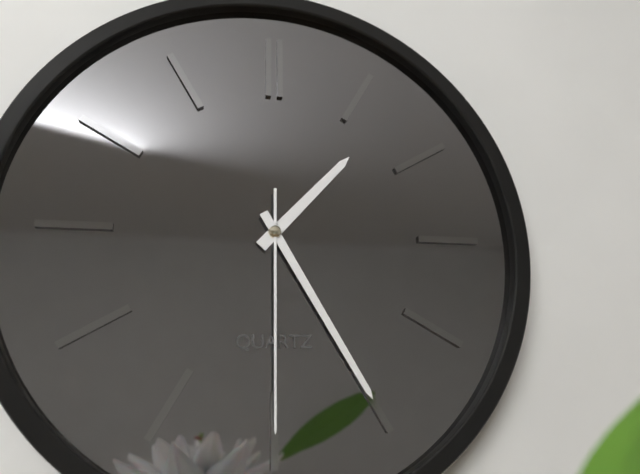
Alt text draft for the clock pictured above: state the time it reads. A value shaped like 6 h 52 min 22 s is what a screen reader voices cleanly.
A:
1 h 25 min 30 s
